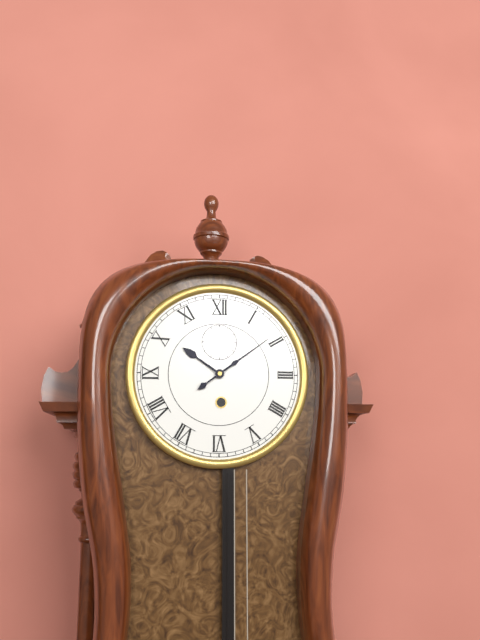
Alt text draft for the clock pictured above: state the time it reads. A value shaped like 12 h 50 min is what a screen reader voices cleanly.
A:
10 h 09 min
